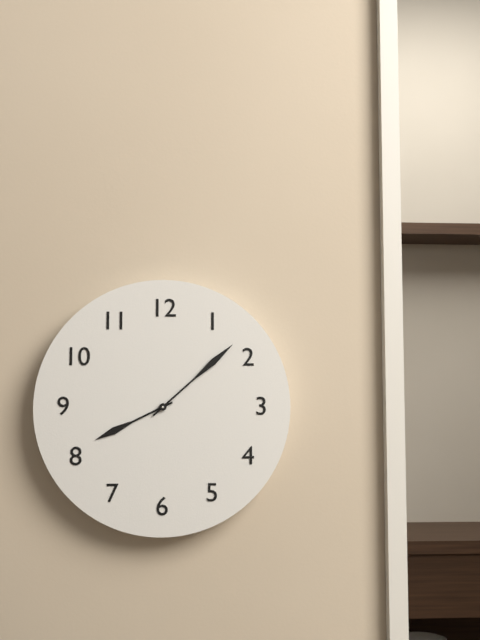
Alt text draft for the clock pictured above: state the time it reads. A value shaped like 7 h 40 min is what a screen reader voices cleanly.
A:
8 h 08 min
